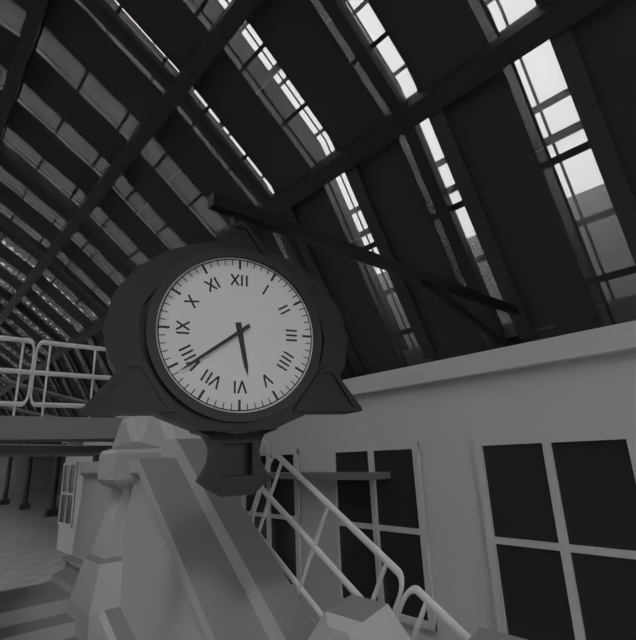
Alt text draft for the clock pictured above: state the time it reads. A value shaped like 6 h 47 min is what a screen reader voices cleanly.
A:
5 h 39 min
